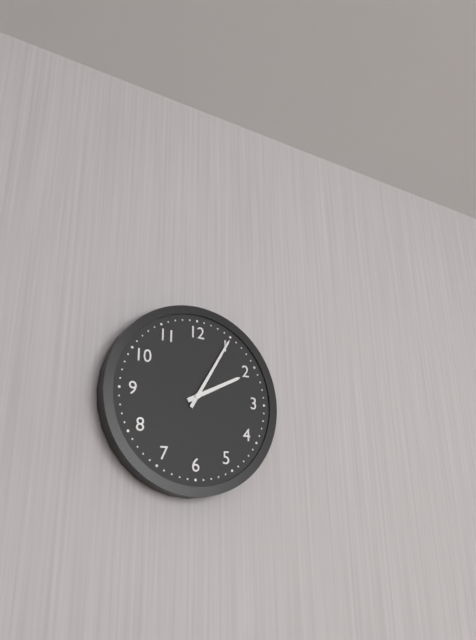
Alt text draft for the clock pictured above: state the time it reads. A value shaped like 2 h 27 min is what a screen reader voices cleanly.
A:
2 h 05 min
